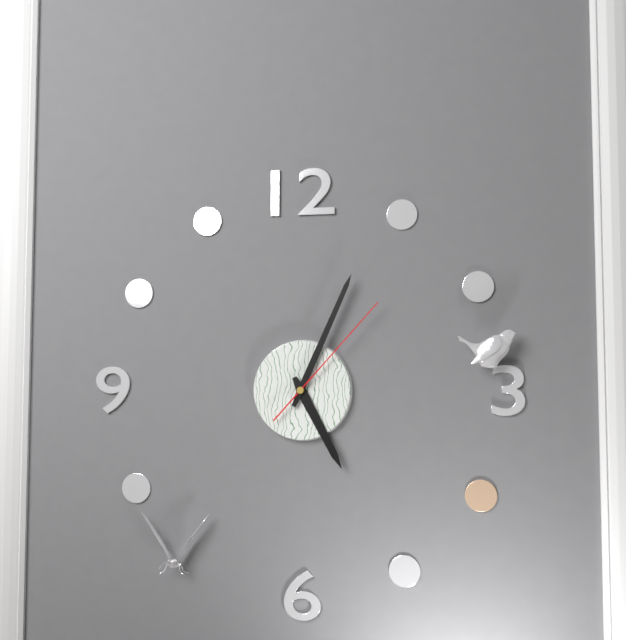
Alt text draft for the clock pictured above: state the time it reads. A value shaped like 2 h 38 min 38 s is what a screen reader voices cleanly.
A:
5 h 04 min 07 s
